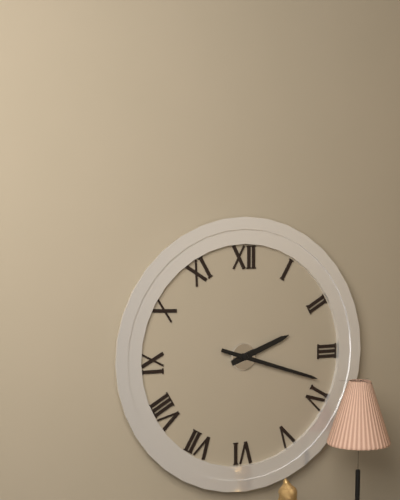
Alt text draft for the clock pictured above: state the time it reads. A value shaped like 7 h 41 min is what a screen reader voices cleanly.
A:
2 h 18 min
